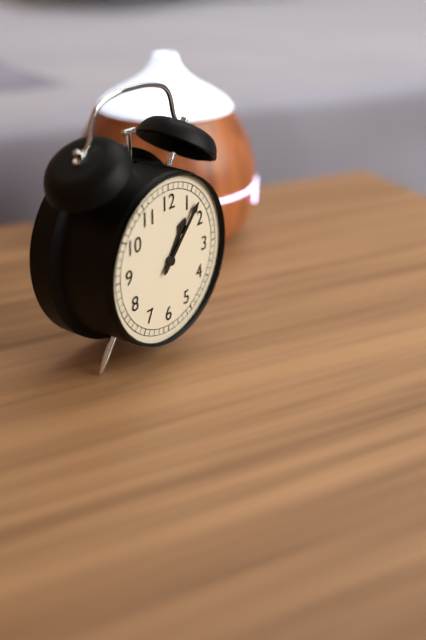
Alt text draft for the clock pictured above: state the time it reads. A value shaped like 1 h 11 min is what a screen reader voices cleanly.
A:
1 h 07 min
